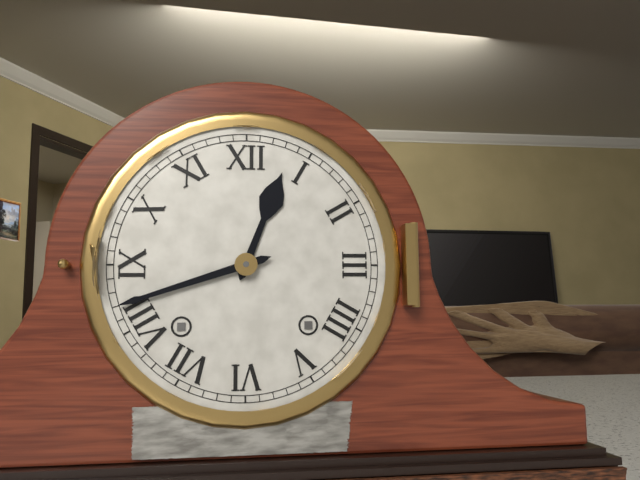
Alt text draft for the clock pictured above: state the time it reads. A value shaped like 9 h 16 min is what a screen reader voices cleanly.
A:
12 h 42 min
